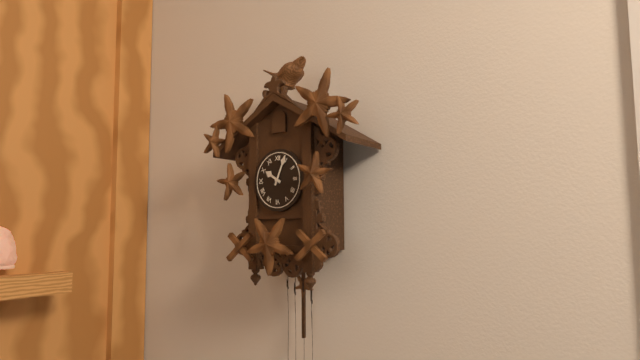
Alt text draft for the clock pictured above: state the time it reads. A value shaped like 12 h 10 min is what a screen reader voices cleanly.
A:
10 h 04 min
